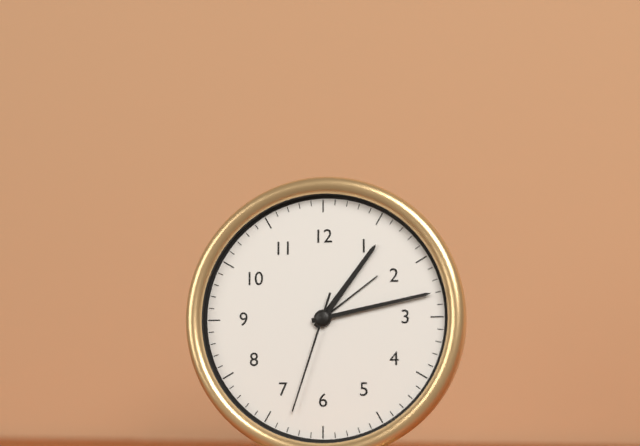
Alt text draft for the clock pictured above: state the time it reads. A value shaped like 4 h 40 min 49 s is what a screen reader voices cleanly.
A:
1 h 13 min 33 s
